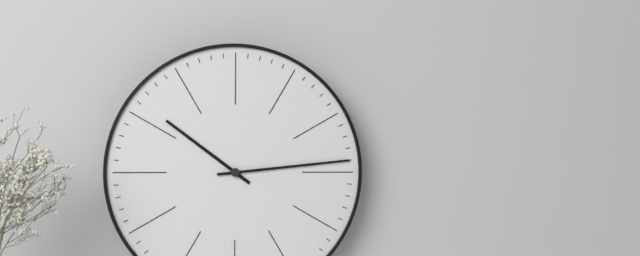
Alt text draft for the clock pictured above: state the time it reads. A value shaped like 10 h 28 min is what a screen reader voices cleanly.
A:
10 h 14 min
